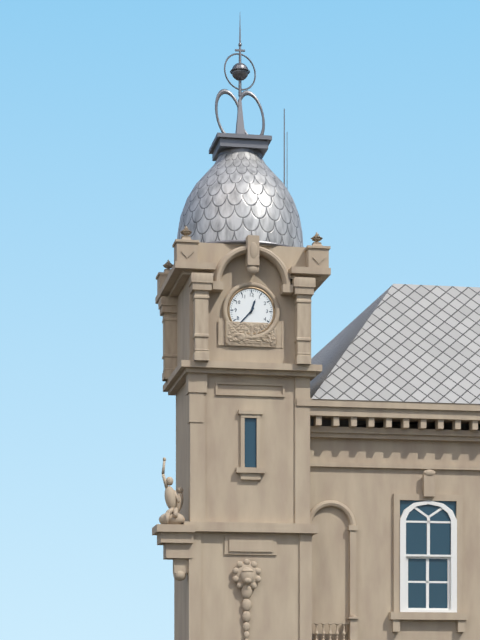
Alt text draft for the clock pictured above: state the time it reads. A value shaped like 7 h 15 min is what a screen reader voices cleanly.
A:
12 h 37 min
